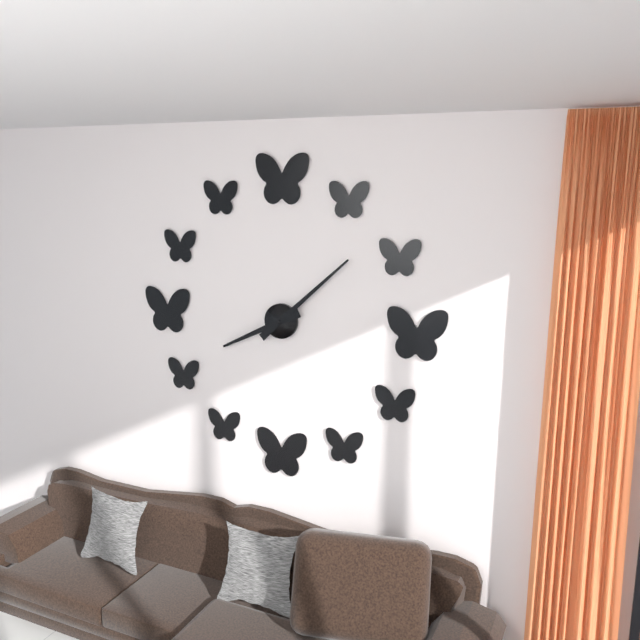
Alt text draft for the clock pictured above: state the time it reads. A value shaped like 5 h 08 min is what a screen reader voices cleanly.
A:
8 h 08 min
